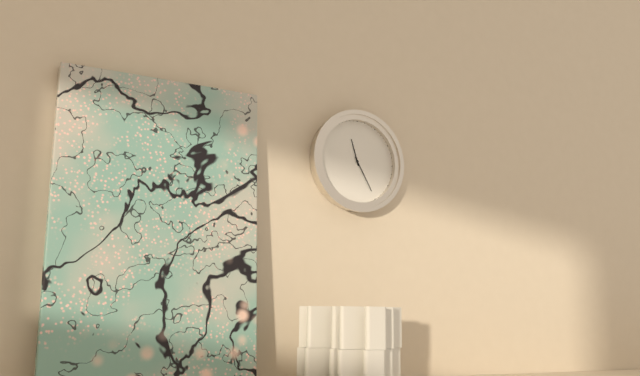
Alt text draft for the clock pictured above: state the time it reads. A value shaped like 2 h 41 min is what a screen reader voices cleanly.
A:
11 h 25 min
